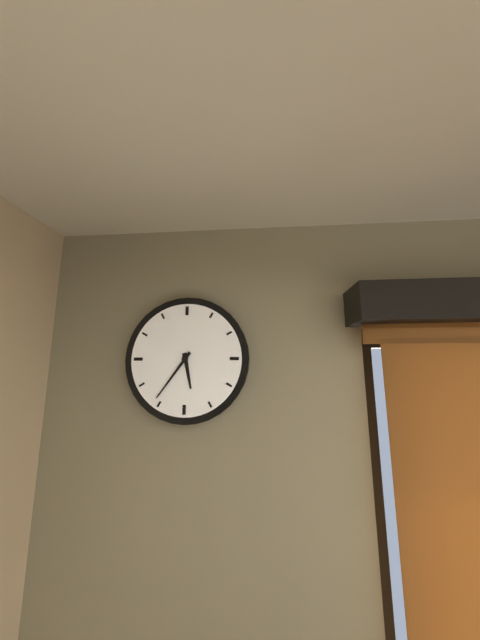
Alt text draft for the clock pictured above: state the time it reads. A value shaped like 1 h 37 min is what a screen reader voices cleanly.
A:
5 h 36 min
